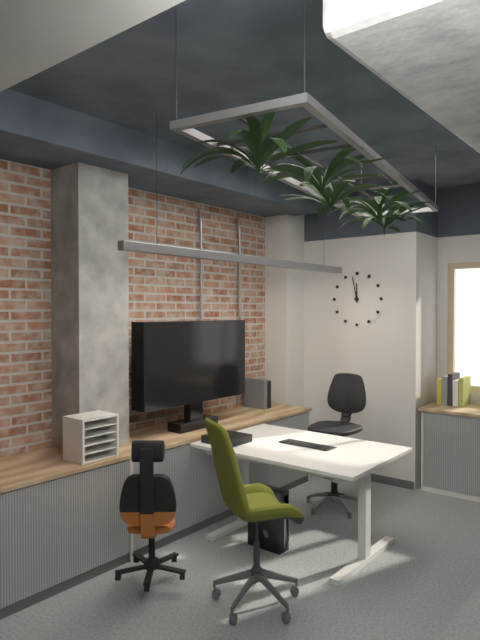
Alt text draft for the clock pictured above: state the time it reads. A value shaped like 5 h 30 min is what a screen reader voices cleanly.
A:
11 h 58 min
